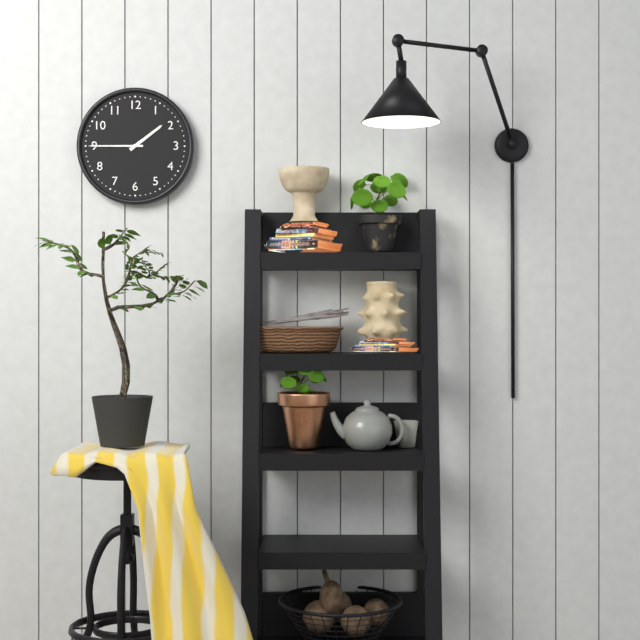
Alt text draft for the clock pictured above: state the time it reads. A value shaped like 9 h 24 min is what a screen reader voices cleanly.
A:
1 h 45 min
